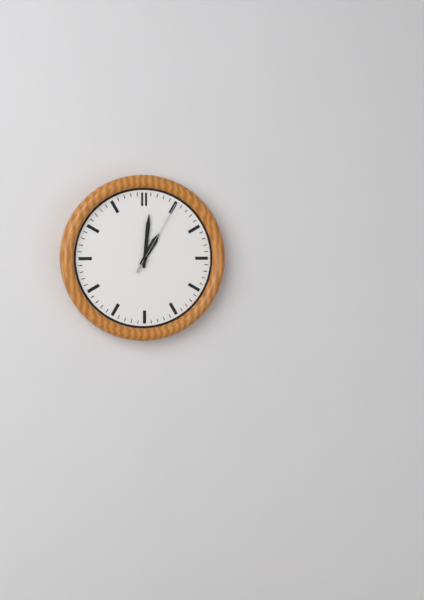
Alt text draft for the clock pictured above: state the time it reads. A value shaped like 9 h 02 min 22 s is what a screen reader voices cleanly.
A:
1 h 01 min 05 s
